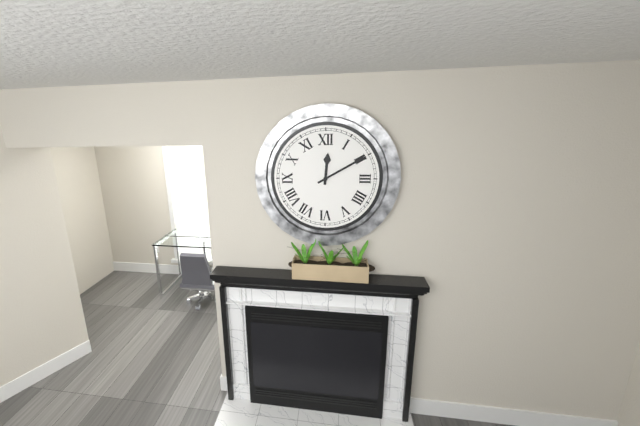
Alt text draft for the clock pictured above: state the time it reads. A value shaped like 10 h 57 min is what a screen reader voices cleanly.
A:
12 h 10 min
